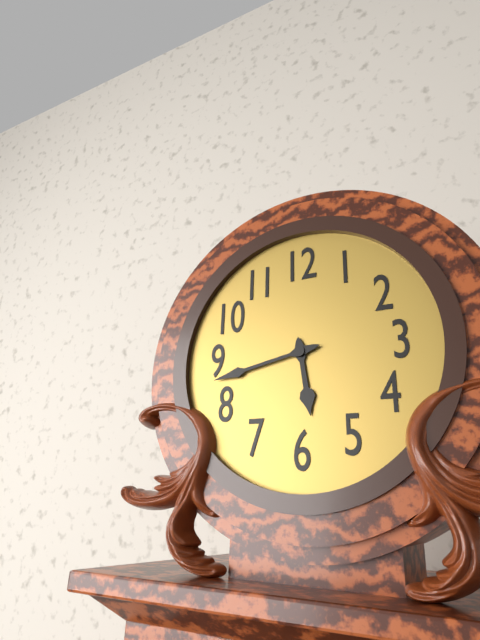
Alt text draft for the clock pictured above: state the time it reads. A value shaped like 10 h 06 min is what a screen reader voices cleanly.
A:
5 h 43 min
